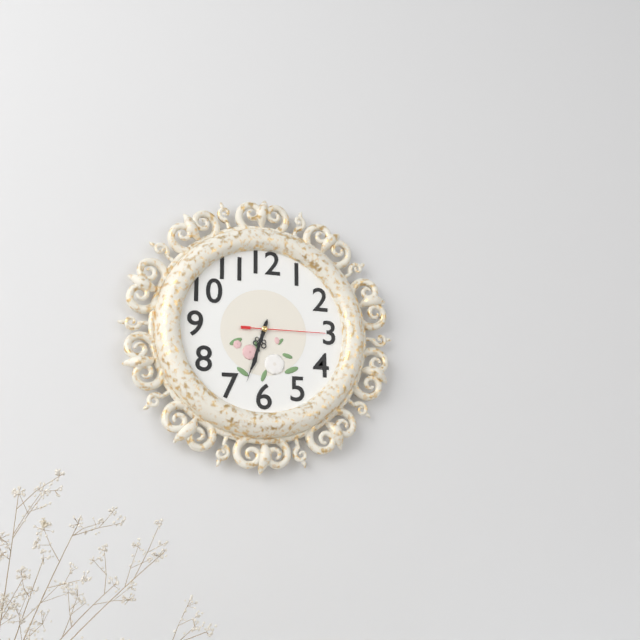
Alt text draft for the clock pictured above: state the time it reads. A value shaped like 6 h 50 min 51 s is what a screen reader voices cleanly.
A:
6 h 33 min 15 s
